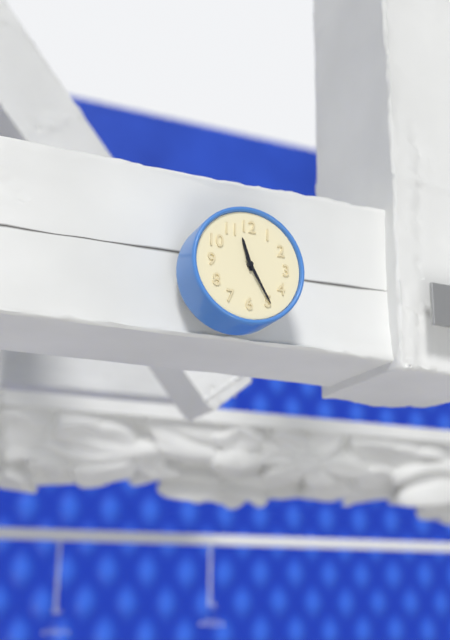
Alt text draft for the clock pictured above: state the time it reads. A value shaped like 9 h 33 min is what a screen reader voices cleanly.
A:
11 h 25 min
